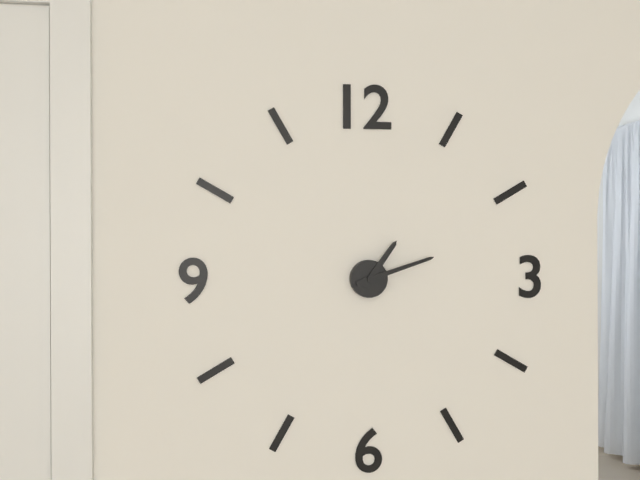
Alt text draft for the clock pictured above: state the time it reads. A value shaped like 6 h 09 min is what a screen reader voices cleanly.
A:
1 h 12 min
